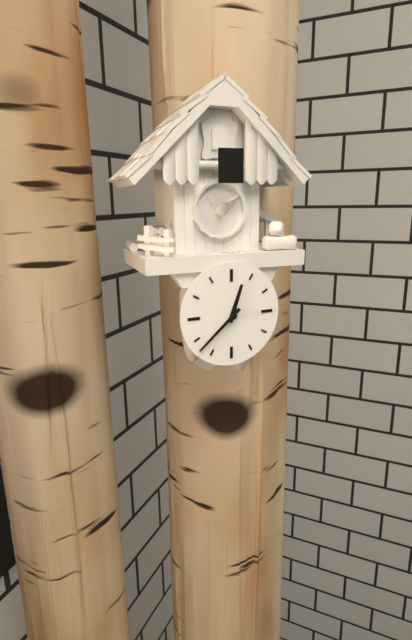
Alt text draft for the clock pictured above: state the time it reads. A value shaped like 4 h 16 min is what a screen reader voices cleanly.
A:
12 h 38 min
